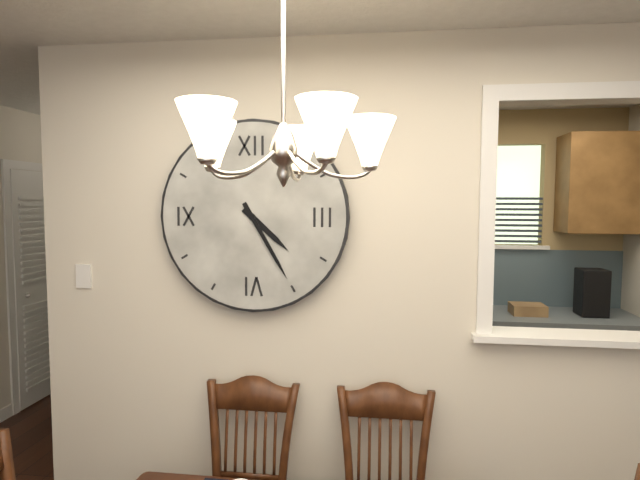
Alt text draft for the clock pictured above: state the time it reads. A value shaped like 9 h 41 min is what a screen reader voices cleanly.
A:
4 h 25 min
